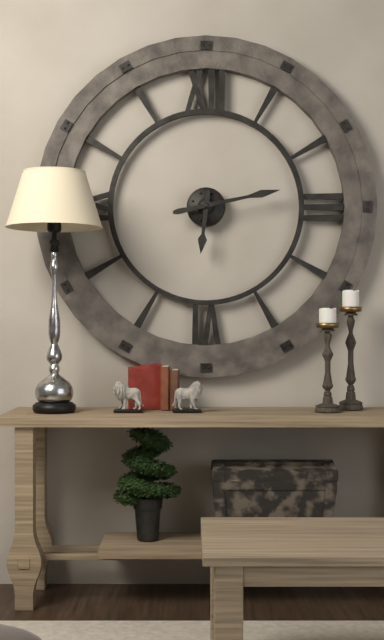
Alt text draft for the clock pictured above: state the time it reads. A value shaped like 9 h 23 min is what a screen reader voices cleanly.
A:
6 h 13 min
